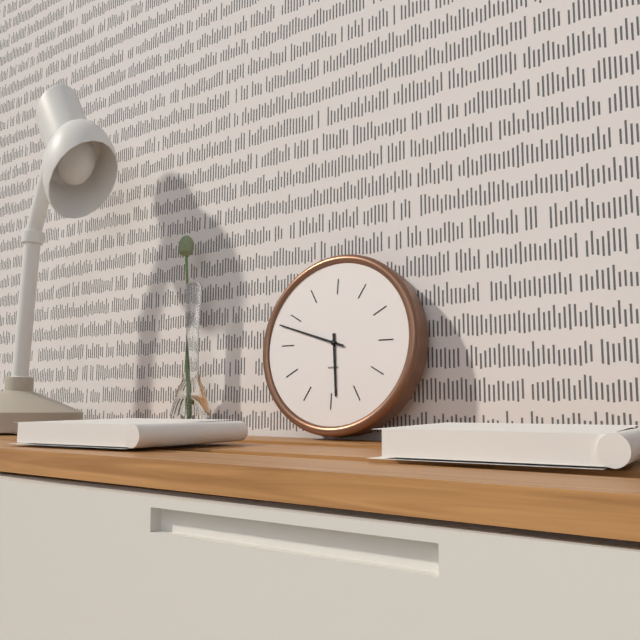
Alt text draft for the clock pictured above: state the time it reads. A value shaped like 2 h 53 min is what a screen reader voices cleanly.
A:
5 h 48 min
